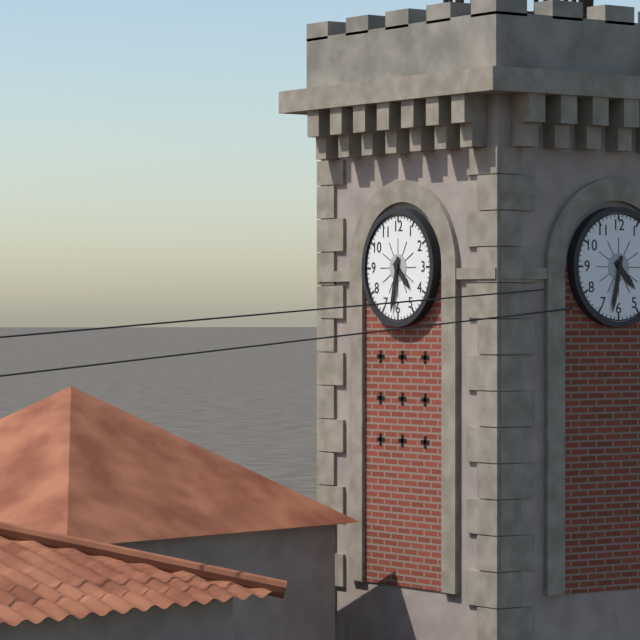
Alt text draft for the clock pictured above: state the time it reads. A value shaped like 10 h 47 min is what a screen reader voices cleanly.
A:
4 h 32 min
